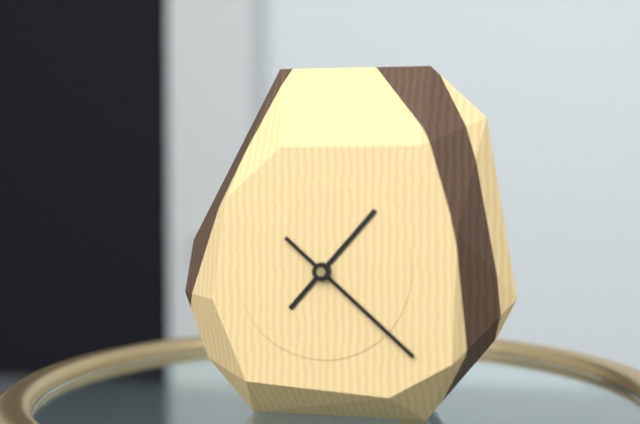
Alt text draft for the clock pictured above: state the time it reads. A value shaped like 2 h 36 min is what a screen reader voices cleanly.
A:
1 h 22 min
